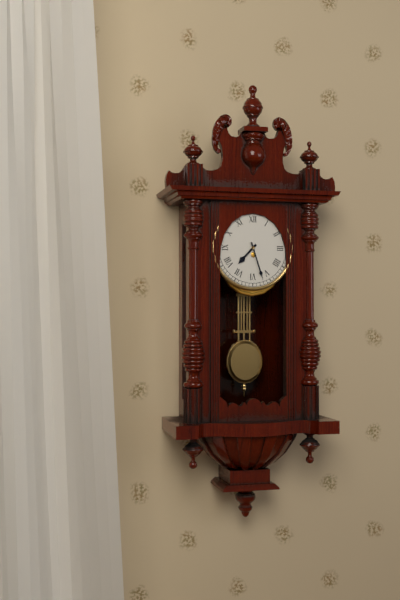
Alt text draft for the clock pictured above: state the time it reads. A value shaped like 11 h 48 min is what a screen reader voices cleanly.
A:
7 h 27 min
